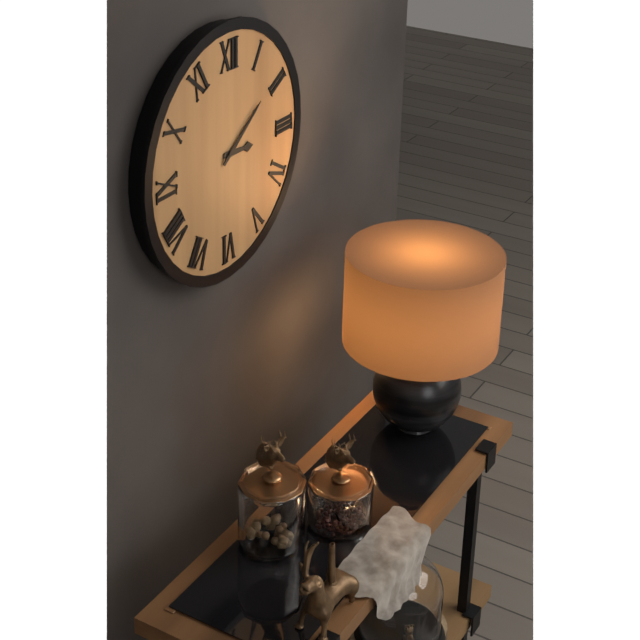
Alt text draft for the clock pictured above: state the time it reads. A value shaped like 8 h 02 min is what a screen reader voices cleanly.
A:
3 h 09 min
